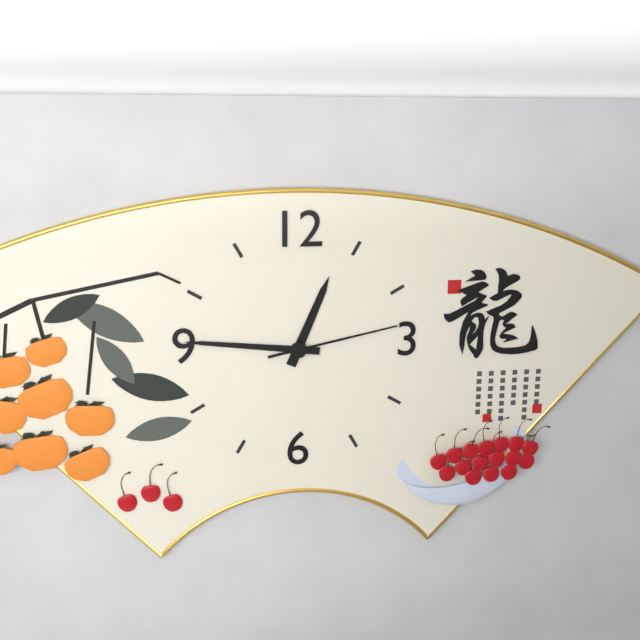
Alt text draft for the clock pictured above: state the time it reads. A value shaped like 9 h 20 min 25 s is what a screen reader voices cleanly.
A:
12 h 46 min 13 s
